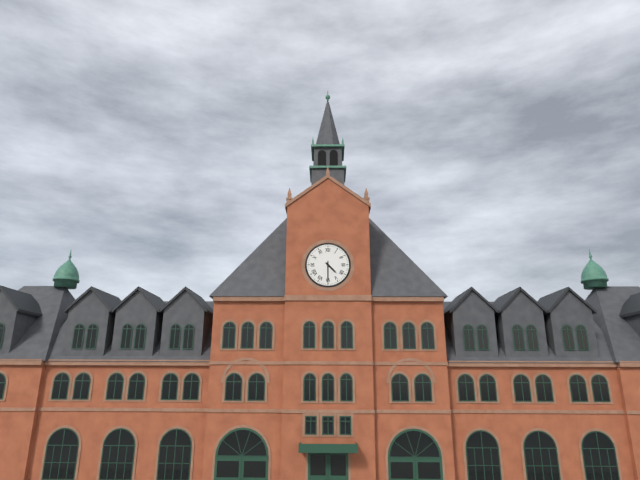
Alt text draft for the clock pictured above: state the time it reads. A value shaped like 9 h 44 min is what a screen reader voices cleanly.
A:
4 h 30 min
